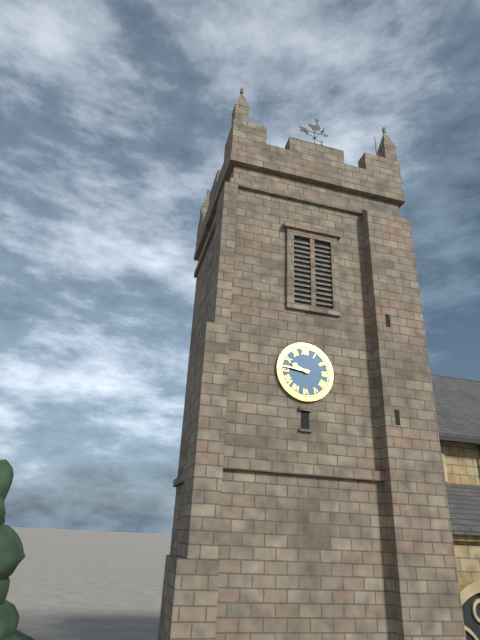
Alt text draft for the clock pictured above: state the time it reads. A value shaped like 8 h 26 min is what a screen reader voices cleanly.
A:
9 h 46 min
